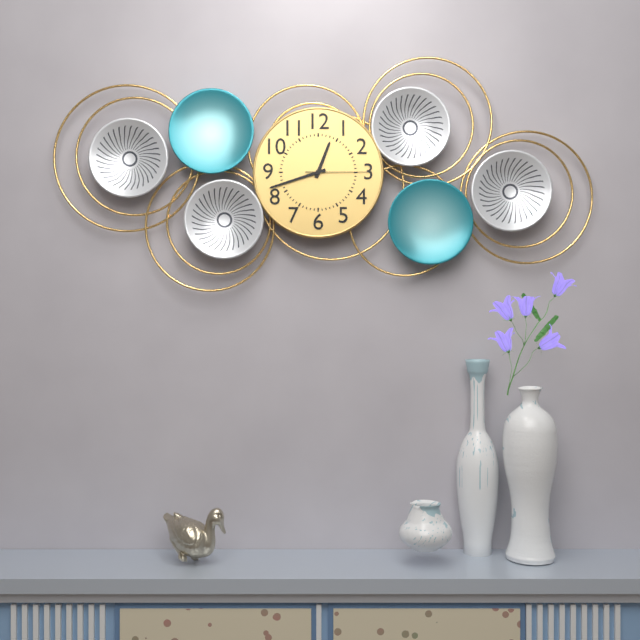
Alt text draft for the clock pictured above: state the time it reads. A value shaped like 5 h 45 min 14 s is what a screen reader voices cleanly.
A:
12 h 42 min 15 s
